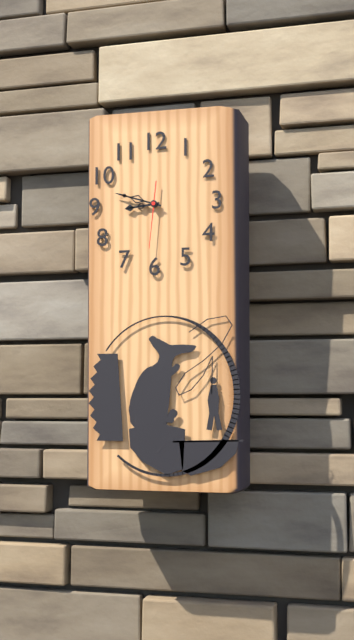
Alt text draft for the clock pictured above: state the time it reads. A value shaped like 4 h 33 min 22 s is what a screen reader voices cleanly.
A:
8 h 48 min 31 s
